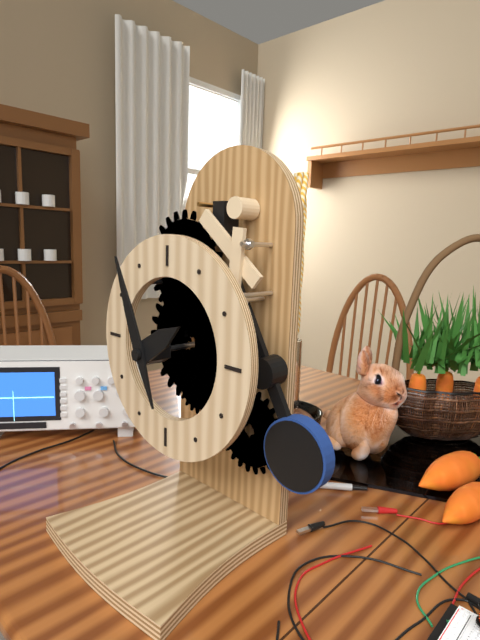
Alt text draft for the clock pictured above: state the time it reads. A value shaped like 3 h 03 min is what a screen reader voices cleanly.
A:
1 h 56 min
